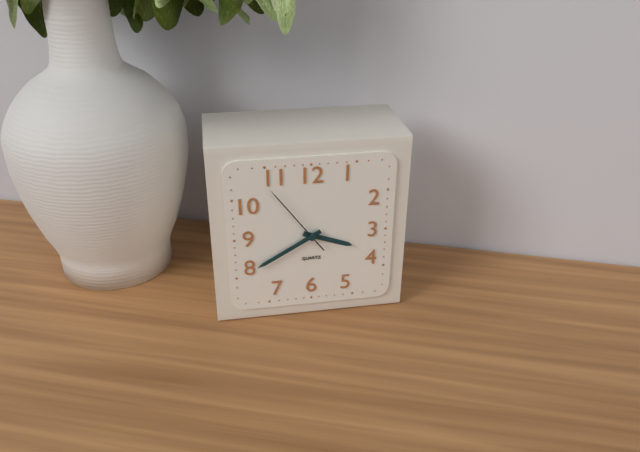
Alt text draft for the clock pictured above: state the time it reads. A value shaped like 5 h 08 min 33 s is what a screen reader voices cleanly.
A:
3 h 40 min 54 s
